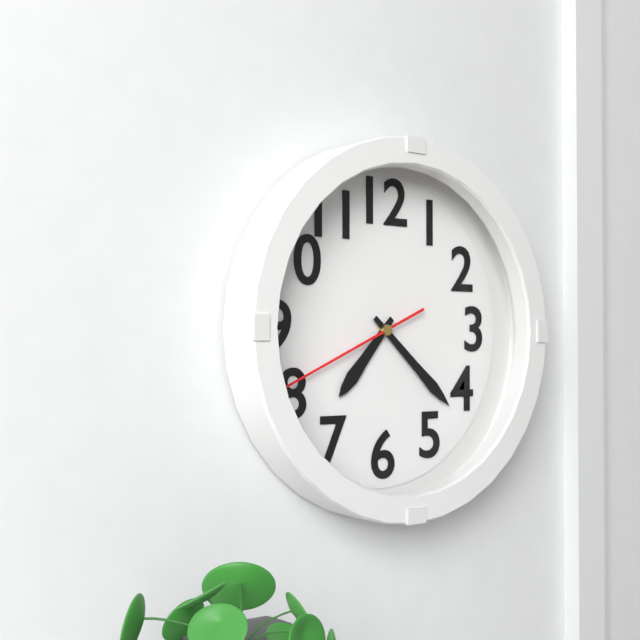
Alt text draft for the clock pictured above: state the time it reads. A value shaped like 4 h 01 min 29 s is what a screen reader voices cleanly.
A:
7 h 22 min 41 s
